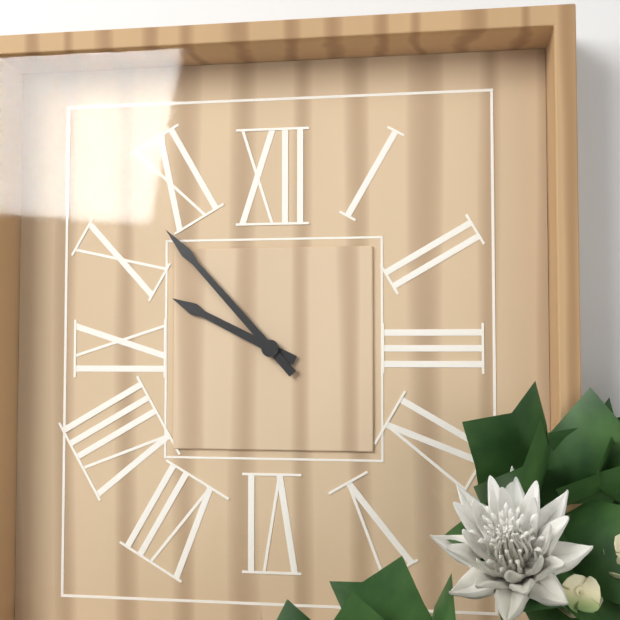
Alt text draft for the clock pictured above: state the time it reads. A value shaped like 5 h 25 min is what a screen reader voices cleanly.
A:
9 h 53 min
